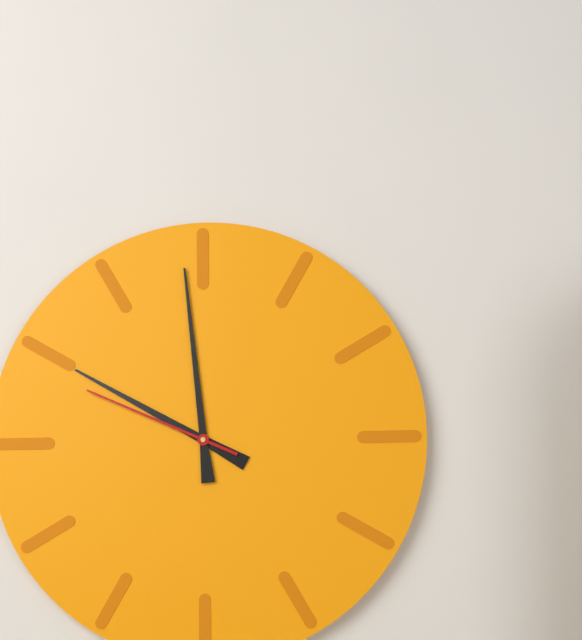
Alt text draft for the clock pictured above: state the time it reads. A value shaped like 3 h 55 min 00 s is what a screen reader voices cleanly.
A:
9 h 59 min 49 s
